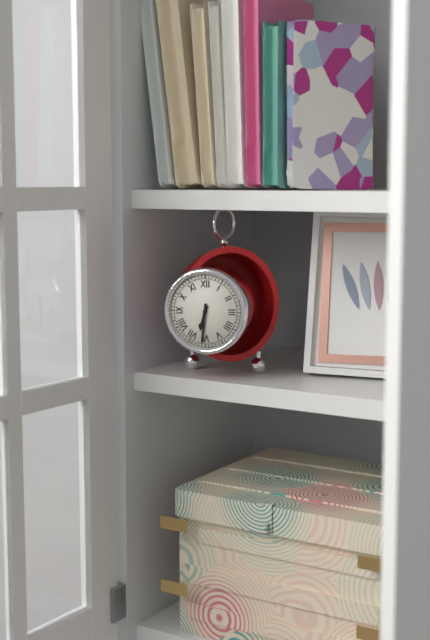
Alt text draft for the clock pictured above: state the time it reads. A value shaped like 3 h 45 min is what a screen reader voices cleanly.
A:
6 h 31 min
